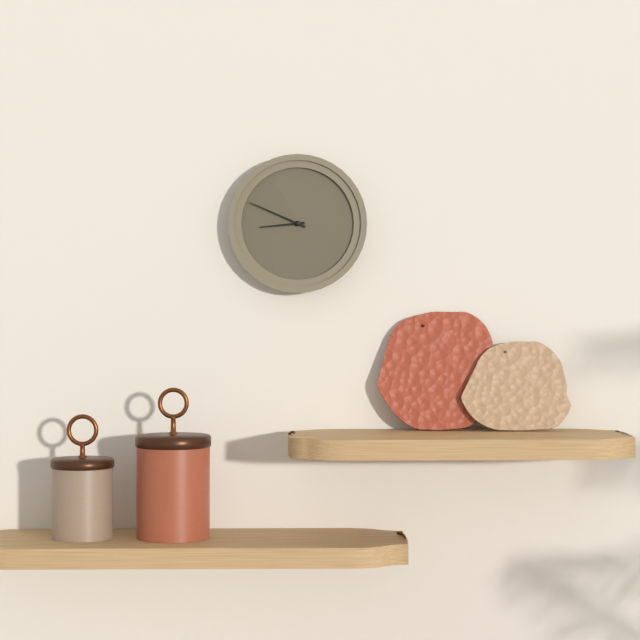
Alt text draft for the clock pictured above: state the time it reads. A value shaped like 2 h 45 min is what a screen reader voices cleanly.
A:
8 h 49 min
